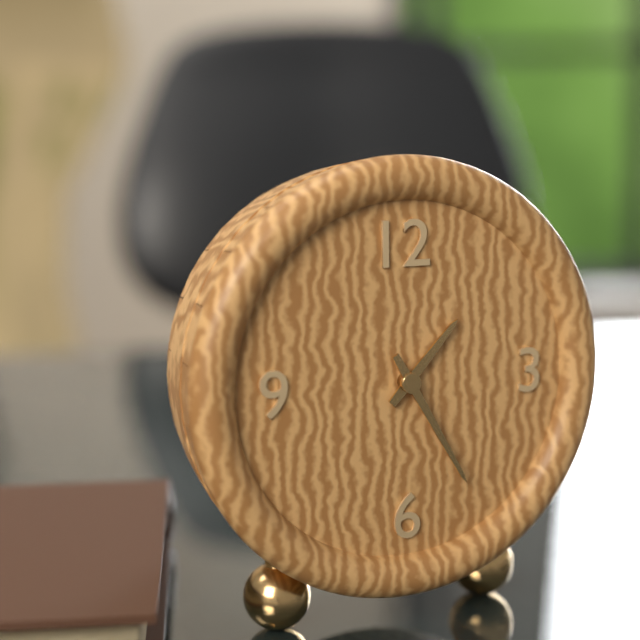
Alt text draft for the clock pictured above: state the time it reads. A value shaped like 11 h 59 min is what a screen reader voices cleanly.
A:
1 h 25 min
